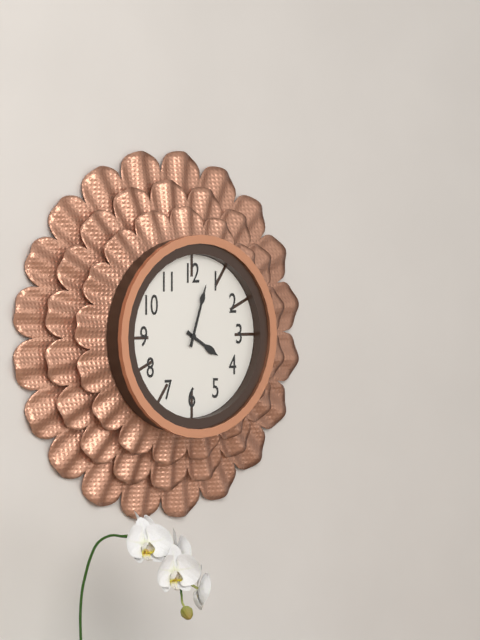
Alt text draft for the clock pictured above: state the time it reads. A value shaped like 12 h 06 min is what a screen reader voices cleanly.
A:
4 h 03 min
